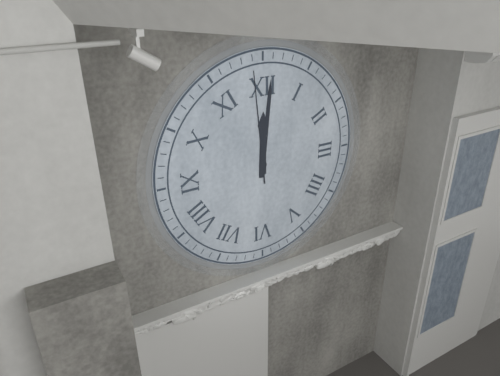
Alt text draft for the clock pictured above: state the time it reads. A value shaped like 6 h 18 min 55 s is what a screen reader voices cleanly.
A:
12 h 01 min 59 s
